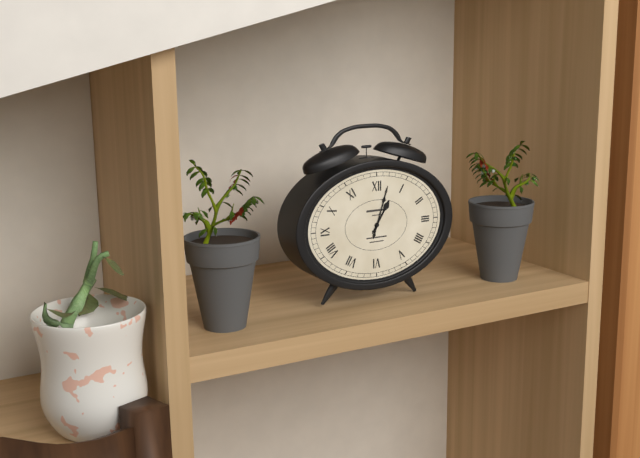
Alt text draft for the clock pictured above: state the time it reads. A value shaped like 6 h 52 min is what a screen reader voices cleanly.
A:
1 h 03 min
